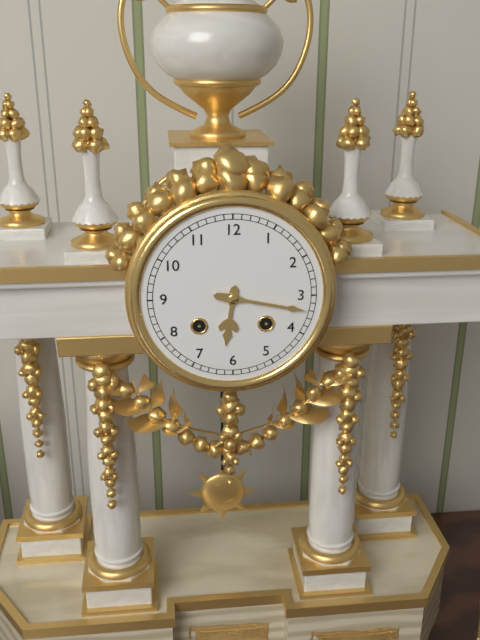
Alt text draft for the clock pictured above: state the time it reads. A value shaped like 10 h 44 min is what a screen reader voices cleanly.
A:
6 h 17 min
